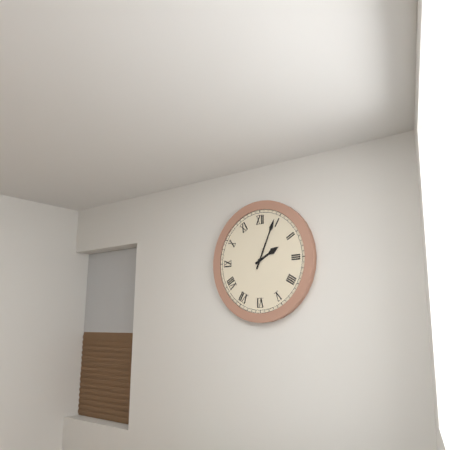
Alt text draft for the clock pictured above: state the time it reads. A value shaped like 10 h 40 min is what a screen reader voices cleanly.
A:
2 h 04 min
